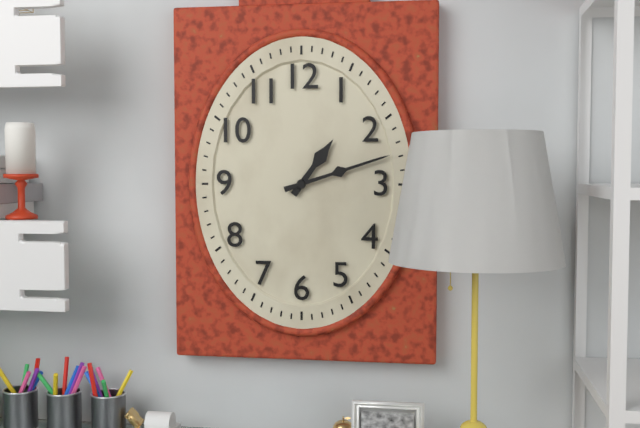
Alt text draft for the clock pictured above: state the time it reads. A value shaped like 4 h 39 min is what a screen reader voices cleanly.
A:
1 h 12 min
